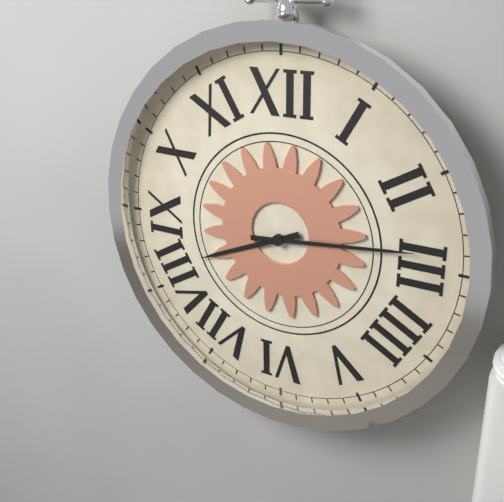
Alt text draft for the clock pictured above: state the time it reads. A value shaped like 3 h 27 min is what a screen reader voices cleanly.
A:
8 h 14 min
